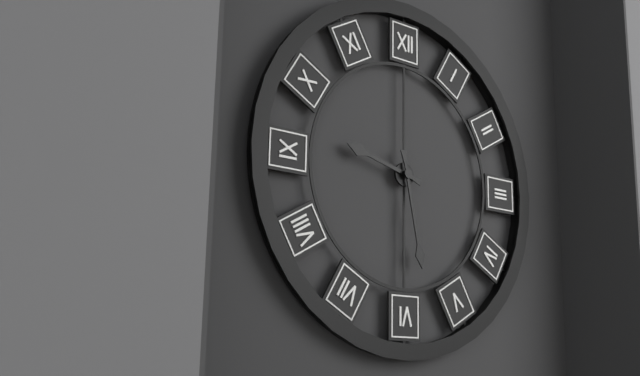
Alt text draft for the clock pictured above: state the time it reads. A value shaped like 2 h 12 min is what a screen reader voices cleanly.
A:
9 h 28 min
